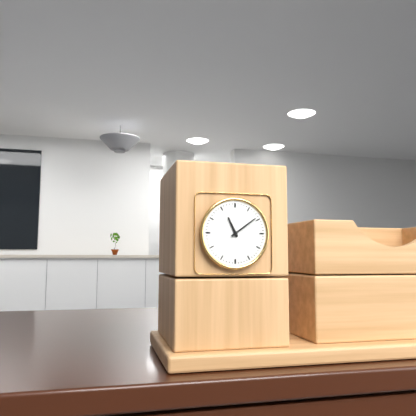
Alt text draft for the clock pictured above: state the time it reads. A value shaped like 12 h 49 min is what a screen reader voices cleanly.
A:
11 h 09 min
